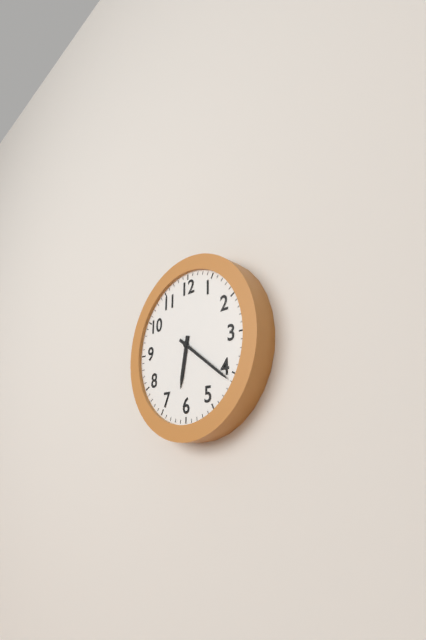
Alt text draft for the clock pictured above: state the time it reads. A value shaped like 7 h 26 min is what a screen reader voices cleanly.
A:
6 h 21 min
